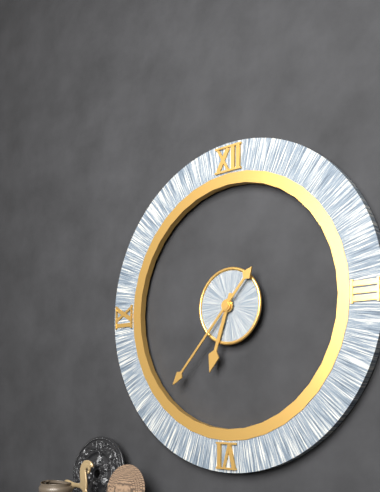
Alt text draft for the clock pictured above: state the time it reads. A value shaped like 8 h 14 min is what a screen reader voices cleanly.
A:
6 h 37 min
